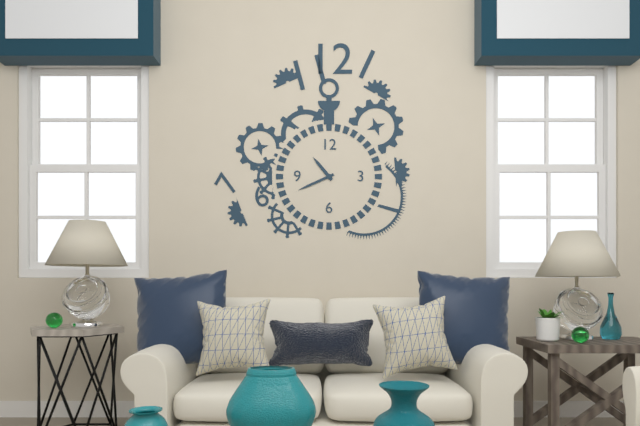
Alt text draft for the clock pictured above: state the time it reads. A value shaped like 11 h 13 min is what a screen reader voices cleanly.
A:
10 h 41 min
